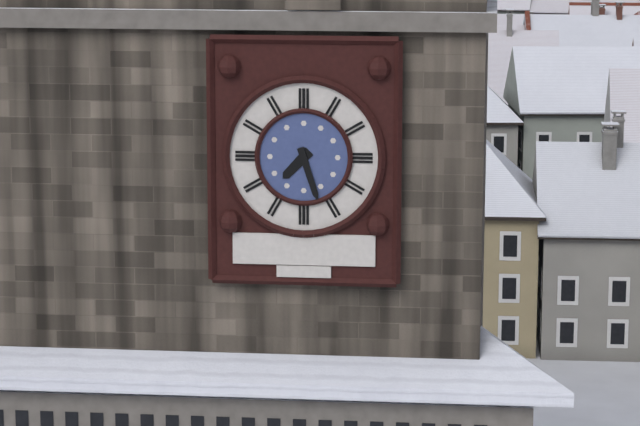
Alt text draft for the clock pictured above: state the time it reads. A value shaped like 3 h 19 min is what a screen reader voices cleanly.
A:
7 h 27 min
